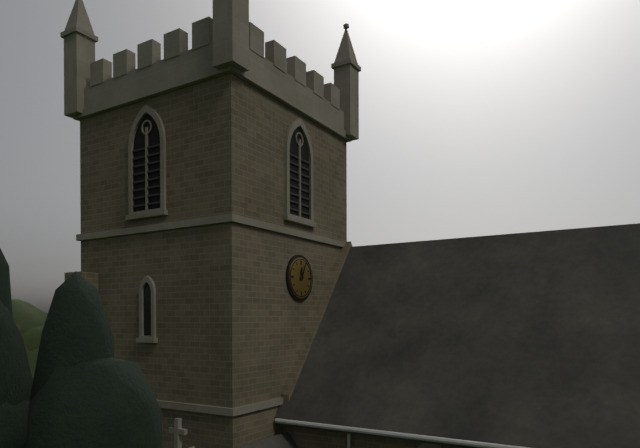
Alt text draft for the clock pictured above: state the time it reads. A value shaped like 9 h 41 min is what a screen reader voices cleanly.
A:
12 h 04 min
